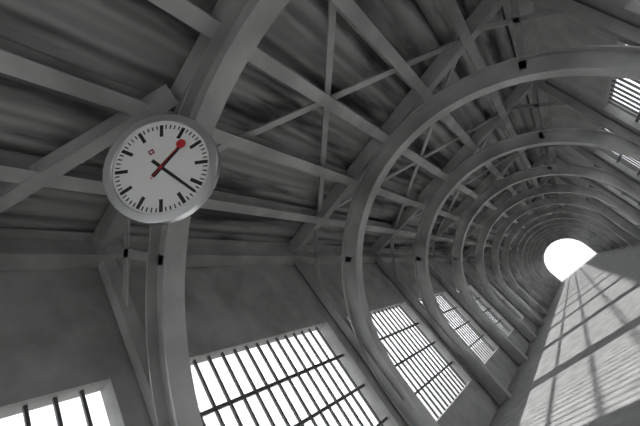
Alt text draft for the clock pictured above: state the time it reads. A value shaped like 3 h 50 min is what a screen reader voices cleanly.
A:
2 h 27 min
